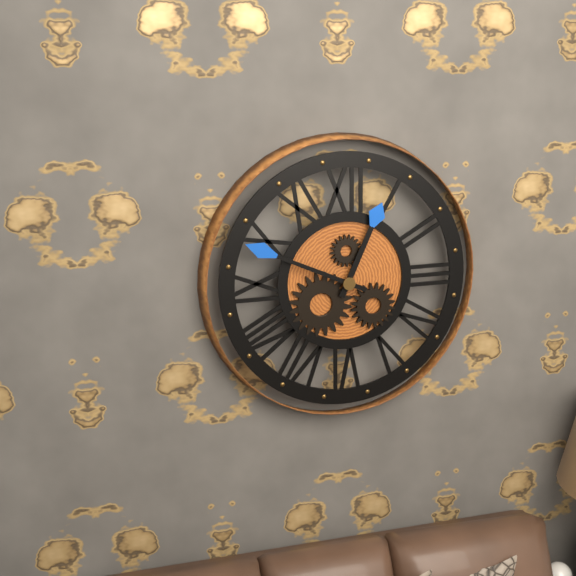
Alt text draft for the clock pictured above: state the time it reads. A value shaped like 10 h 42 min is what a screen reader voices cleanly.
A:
12 h 49 min
